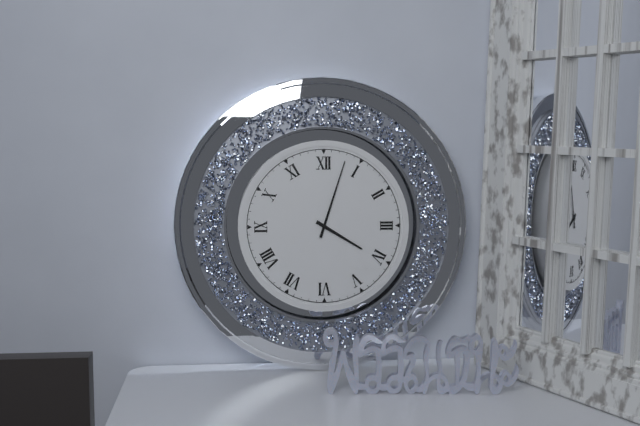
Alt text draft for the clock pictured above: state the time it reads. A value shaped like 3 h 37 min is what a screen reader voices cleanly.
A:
4 h 03 min
